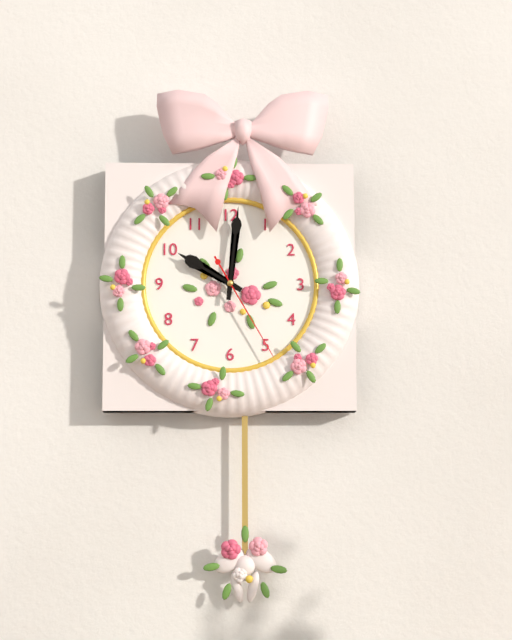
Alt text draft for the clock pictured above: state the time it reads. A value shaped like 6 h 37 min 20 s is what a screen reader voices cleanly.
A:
10 h 01 min 25 s
